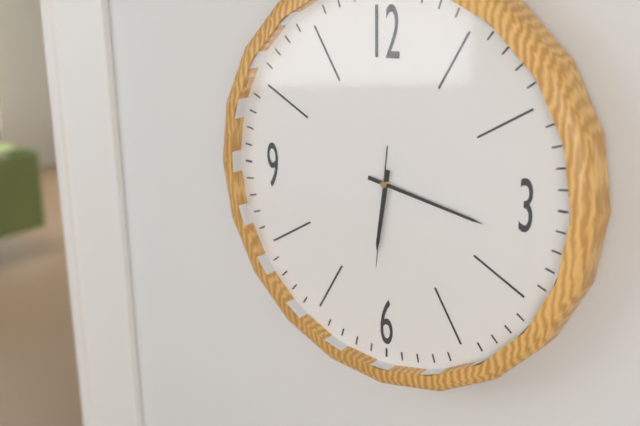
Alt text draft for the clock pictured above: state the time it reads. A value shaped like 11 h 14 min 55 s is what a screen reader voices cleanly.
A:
6 h 17 min 31 s
